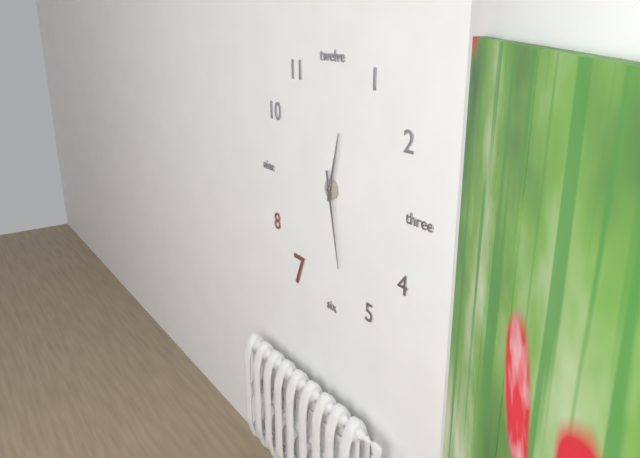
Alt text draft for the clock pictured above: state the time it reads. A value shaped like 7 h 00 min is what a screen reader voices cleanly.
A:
12 h 28 min
